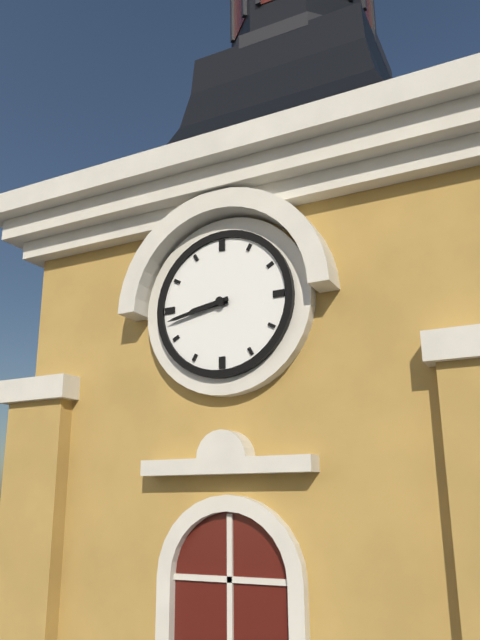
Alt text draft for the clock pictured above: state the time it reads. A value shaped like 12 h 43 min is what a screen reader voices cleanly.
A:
8 h 43 min
